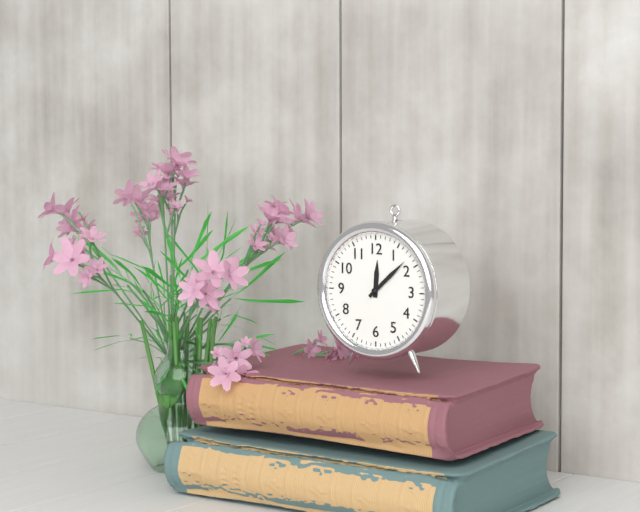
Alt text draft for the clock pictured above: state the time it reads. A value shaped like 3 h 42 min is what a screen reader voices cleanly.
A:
12 h 08 min
